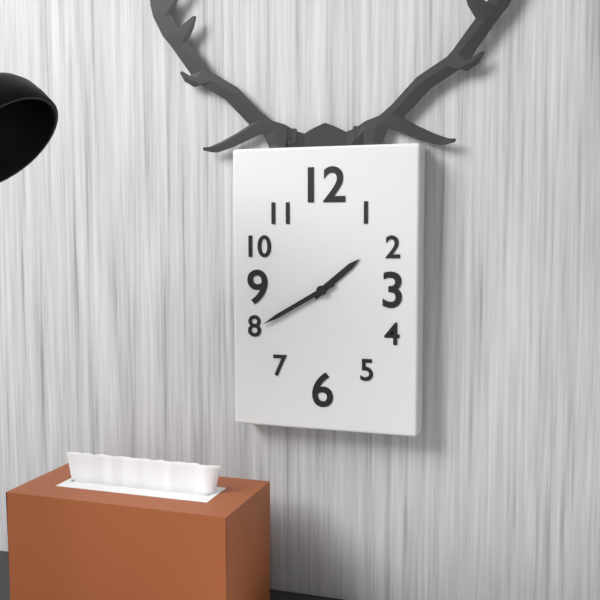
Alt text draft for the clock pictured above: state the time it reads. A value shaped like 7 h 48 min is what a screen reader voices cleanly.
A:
1 h 40 min
